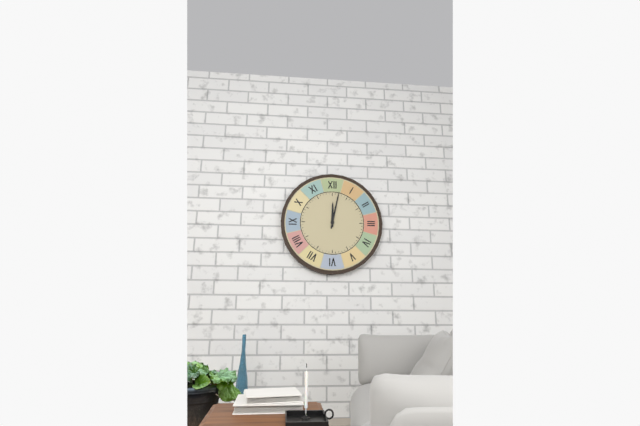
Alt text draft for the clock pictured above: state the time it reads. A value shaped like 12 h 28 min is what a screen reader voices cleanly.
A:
12 h 02 min
